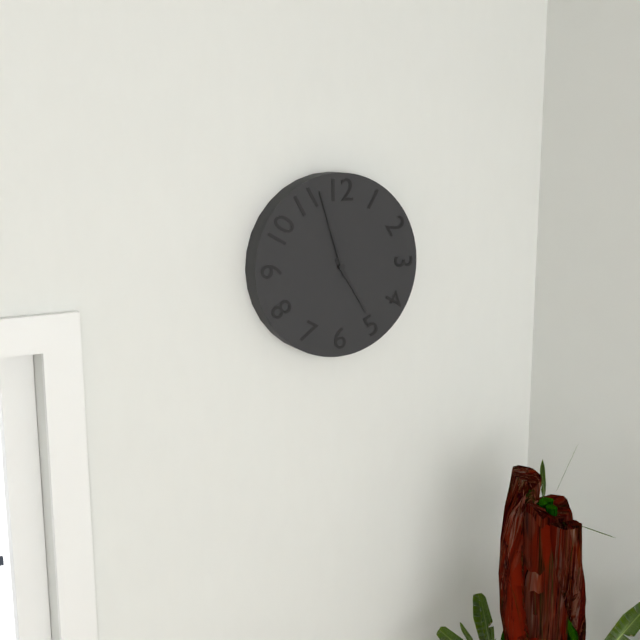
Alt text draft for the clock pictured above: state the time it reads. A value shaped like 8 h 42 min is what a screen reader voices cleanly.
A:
4 h 57 min
